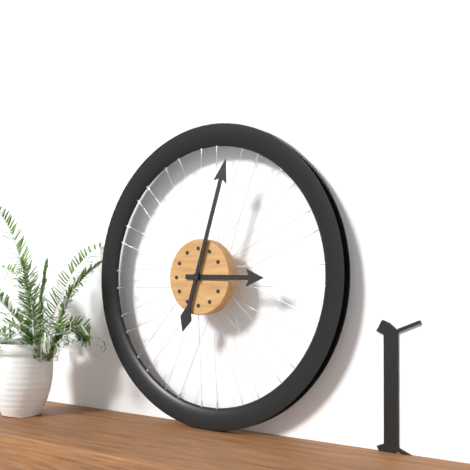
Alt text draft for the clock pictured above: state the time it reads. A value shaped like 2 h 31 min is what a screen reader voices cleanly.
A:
3 h 03 min
